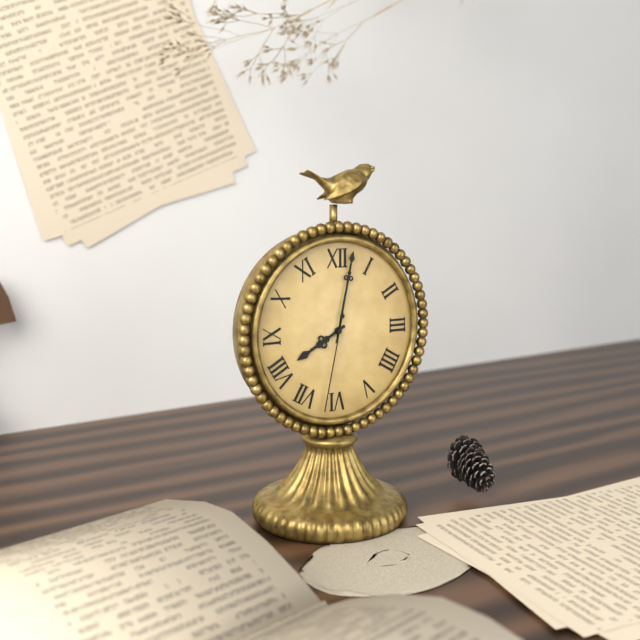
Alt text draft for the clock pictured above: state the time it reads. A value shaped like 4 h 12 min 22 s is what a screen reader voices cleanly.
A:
8 h 02 min 32 s
